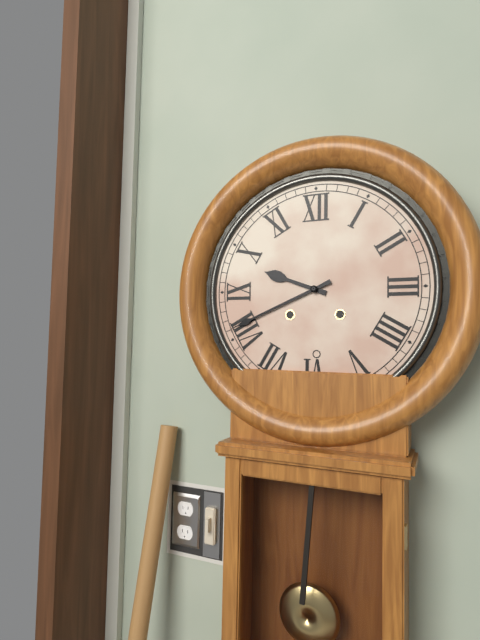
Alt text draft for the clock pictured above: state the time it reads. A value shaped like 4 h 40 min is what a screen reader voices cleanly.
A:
9 h 41 min
